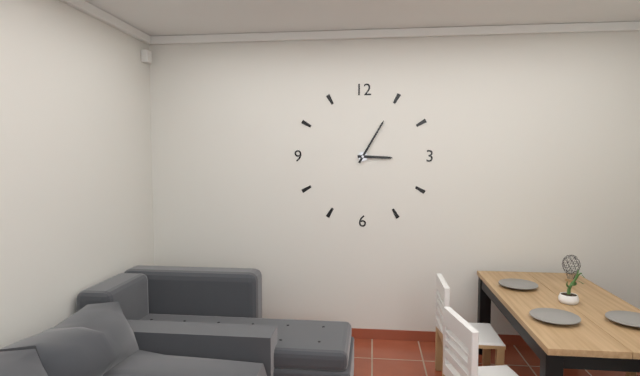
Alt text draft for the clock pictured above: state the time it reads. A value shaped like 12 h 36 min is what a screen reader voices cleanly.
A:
3 h 05 min
